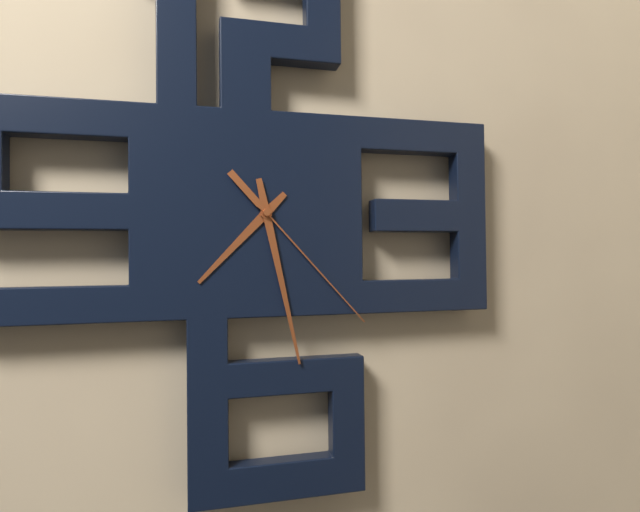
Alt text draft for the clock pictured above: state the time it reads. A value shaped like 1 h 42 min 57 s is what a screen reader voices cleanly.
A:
7 h 28 min 23 s
